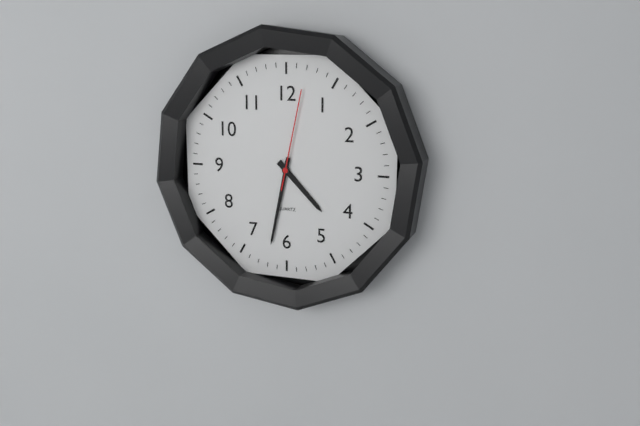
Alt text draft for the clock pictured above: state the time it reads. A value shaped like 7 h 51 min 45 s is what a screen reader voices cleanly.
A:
4 h 32 min 02 s
